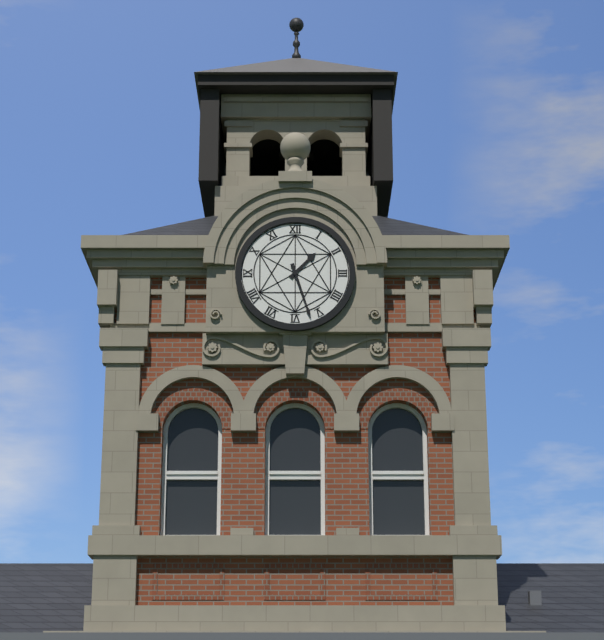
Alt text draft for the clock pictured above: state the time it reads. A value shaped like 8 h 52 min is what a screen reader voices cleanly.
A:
1 h 27 min
